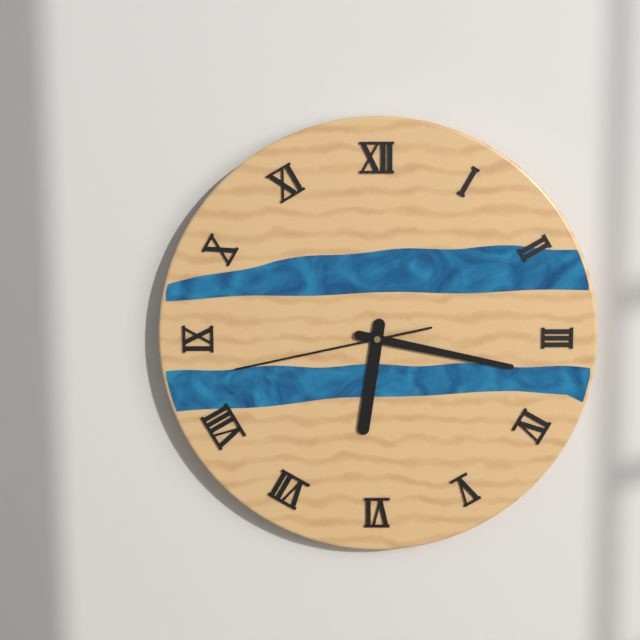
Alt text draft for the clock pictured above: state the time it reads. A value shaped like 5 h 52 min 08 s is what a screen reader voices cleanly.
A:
6 h 17 min 43 s
